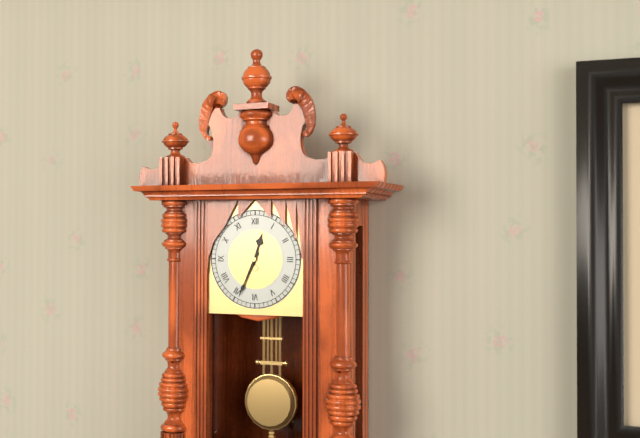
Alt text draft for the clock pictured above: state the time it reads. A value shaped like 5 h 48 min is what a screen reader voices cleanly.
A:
12 h 34 min
